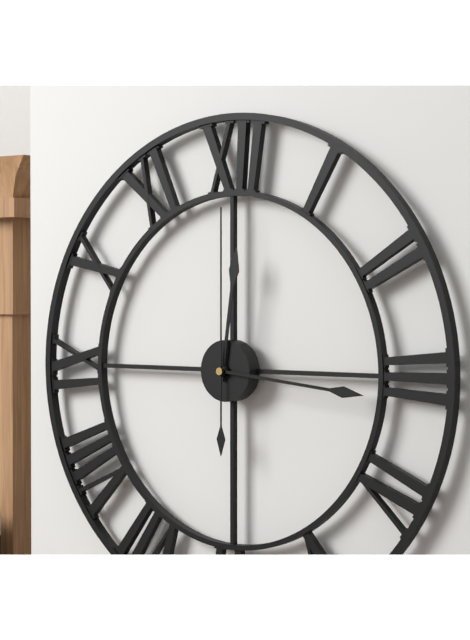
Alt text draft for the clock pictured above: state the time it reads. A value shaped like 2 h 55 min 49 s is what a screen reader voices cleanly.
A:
12 h 16 min 00 s
